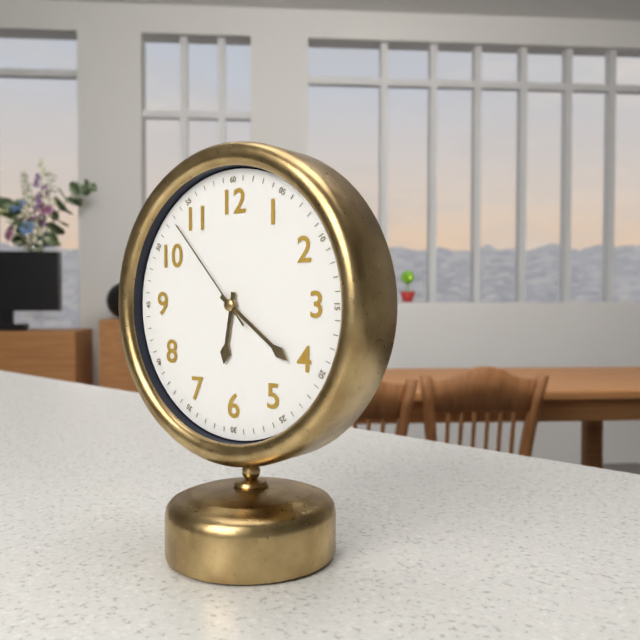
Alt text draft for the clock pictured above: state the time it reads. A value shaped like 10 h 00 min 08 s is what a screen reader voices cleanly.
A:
6 h 21 min 53 s
